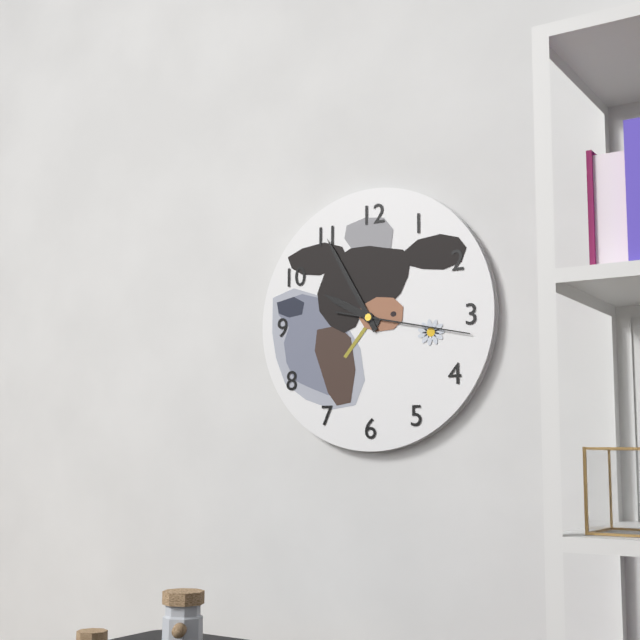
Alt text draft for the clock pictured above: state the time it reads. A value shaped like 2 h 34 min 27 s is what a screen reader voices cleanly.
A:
9 h 55 min 17 s
